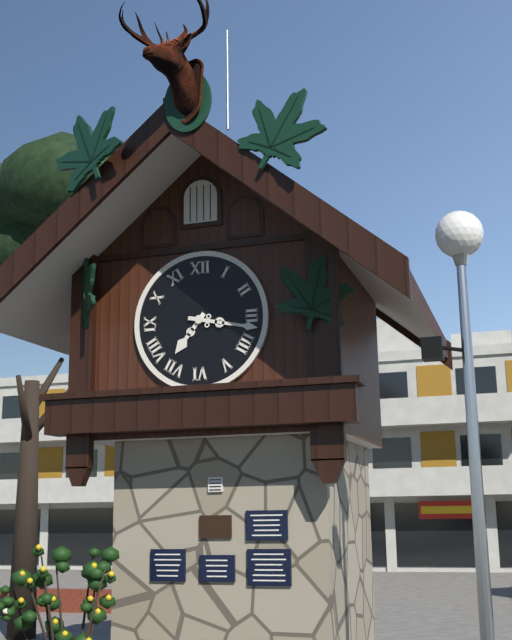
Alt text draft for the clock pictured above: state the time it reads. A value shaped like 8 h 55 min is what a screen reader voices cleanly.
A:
7 h 17 min
